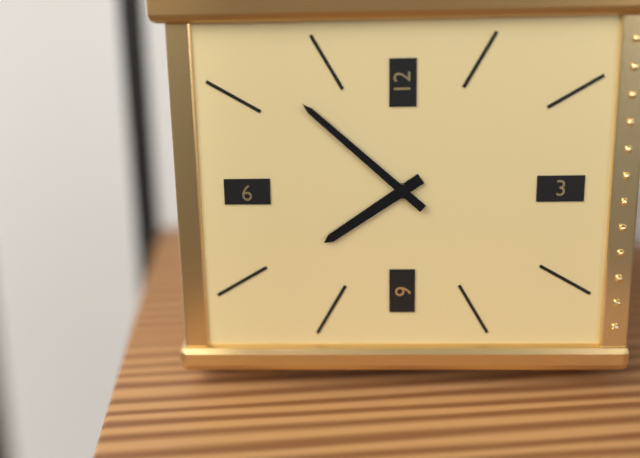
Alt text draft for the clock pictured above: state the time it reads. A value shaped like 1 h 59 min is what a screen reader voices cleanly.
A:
7 h 52 min
